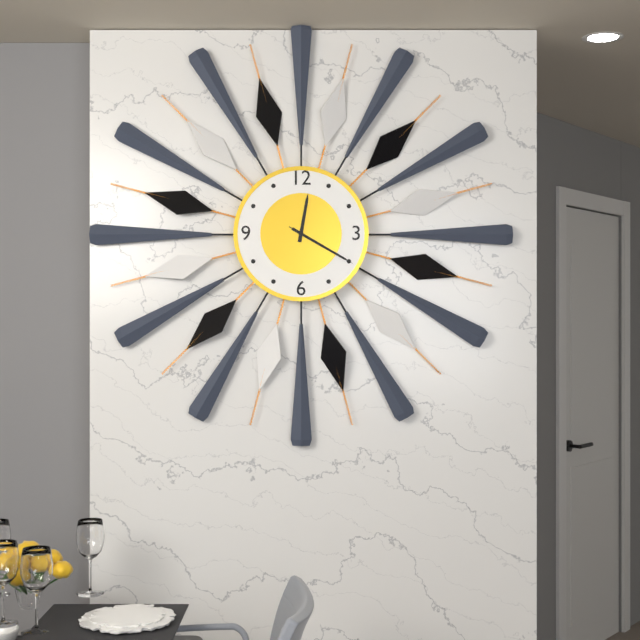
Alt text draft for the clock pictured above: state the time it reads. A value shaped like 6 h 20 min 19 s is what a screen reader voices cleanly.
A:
12 h 20 min 20 s
